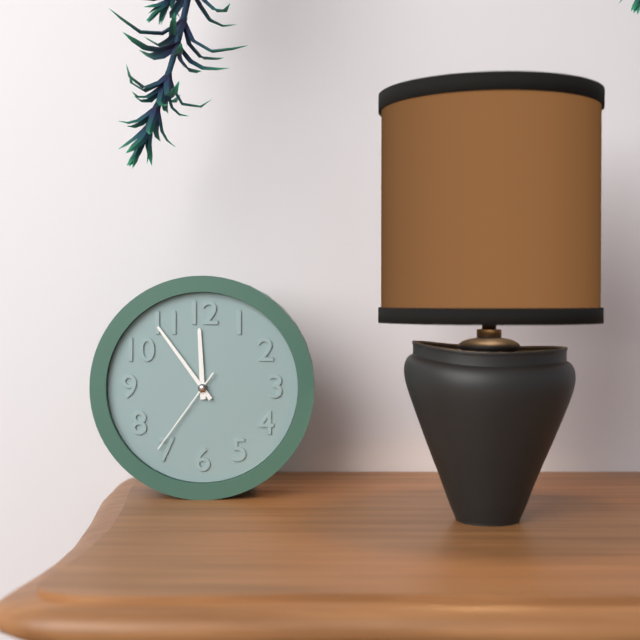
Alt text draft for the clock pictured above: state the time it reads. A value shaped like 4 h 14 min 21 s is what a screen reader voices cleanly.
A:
11 h 54 min 36 s
